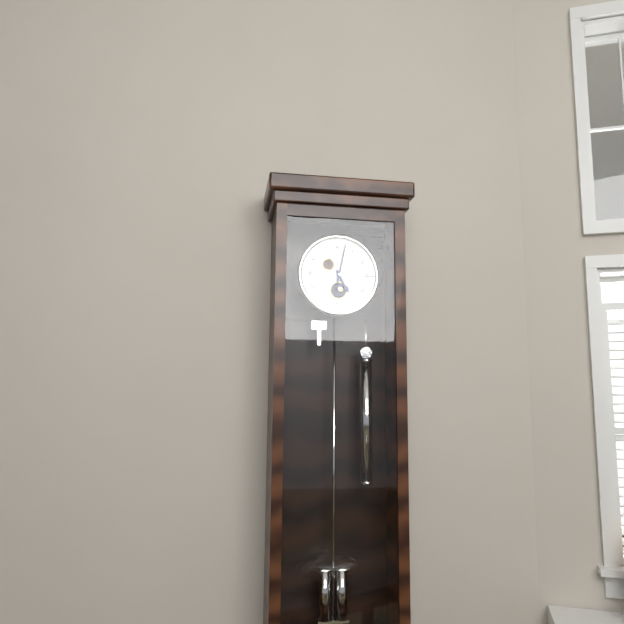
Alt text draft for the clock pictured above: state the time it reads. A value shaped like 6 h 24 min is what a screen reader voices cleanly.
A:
5 h 02 min
